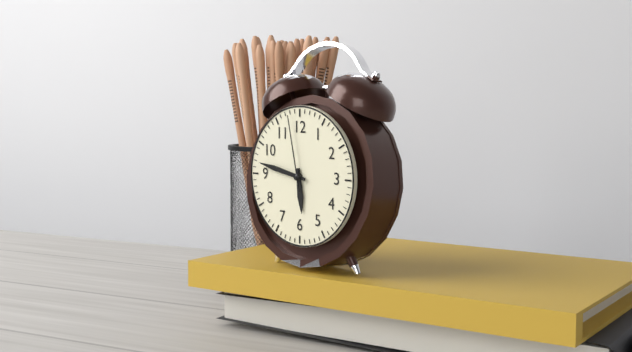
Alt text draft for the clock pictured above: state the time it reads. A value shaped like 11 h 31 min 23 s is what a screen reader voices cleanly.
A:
5 h 47 min 58 s
